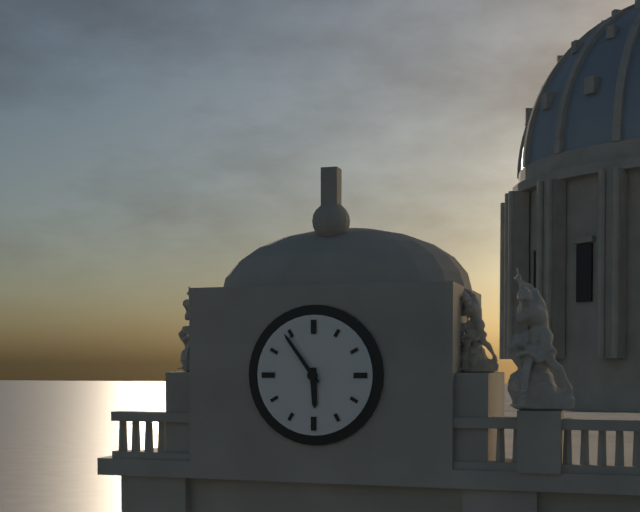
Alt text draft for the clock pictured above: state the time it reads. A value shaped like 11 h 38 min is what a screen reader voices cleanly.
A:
5 h 54 min
